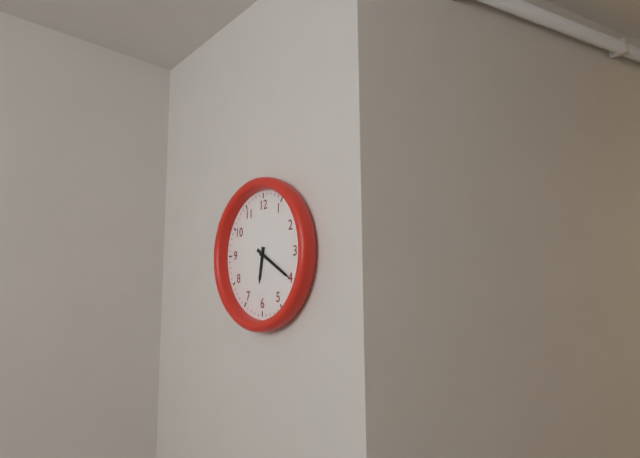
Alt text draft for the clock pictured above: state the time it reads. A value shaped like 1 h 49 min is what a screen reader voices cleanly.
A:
6 h 20 min
